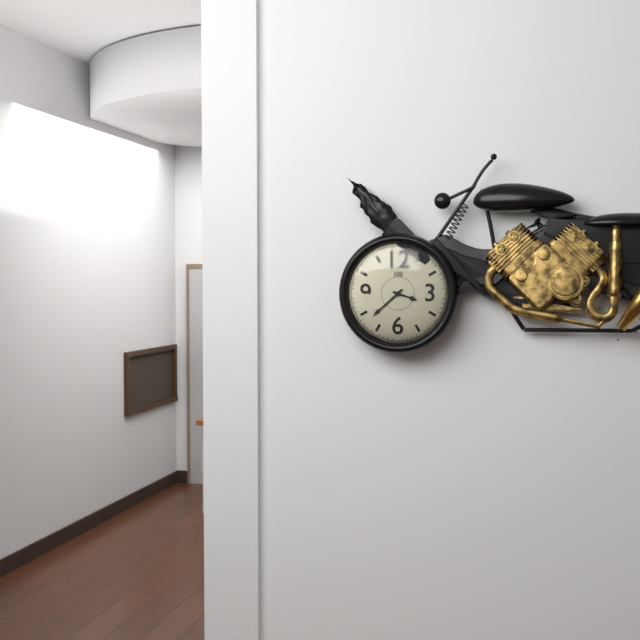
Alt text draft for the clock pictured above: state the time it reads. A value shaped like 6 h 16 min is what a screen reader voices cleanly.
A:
3 h 38 min
